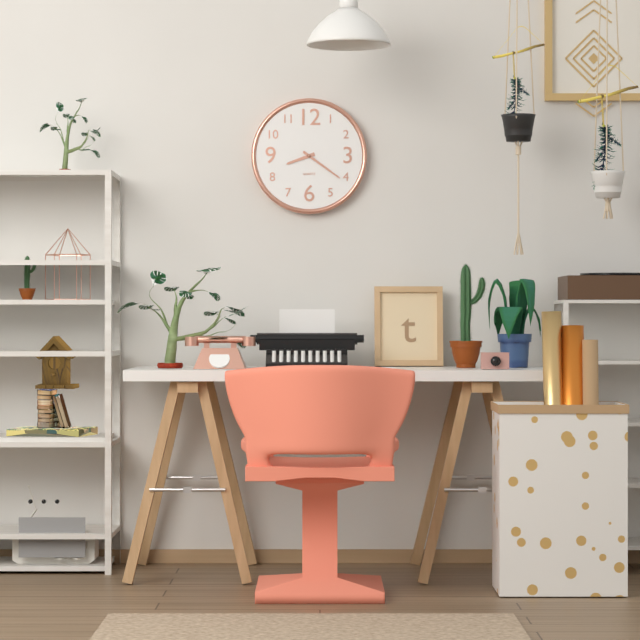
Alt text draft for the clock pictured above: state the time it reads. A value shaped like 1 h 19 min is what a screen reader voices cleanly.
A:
8 h 21 min
